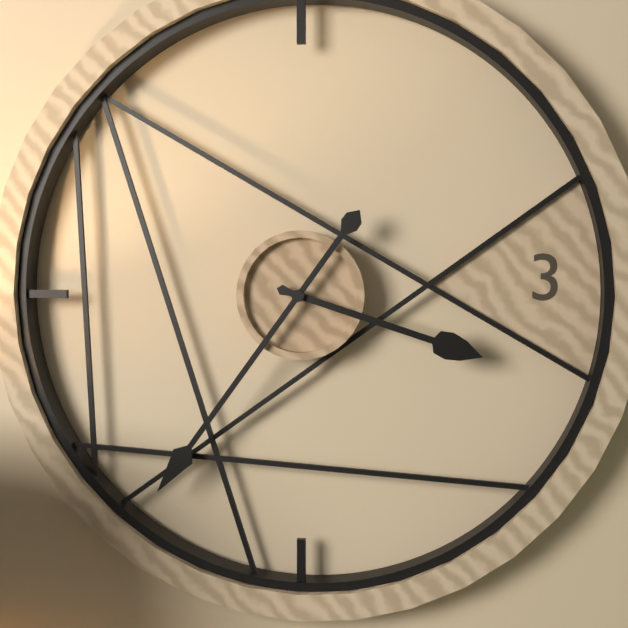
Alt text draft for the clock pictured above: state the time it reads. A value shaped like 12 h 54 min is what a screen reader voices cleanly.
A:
3 h 36 min
